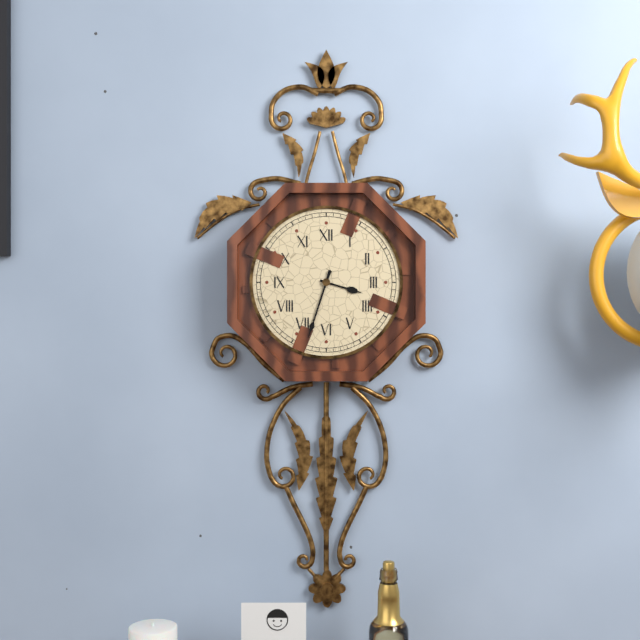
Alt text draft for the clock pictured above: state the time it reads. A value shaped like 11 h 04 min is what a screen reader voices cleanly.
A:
3 h 33 min
